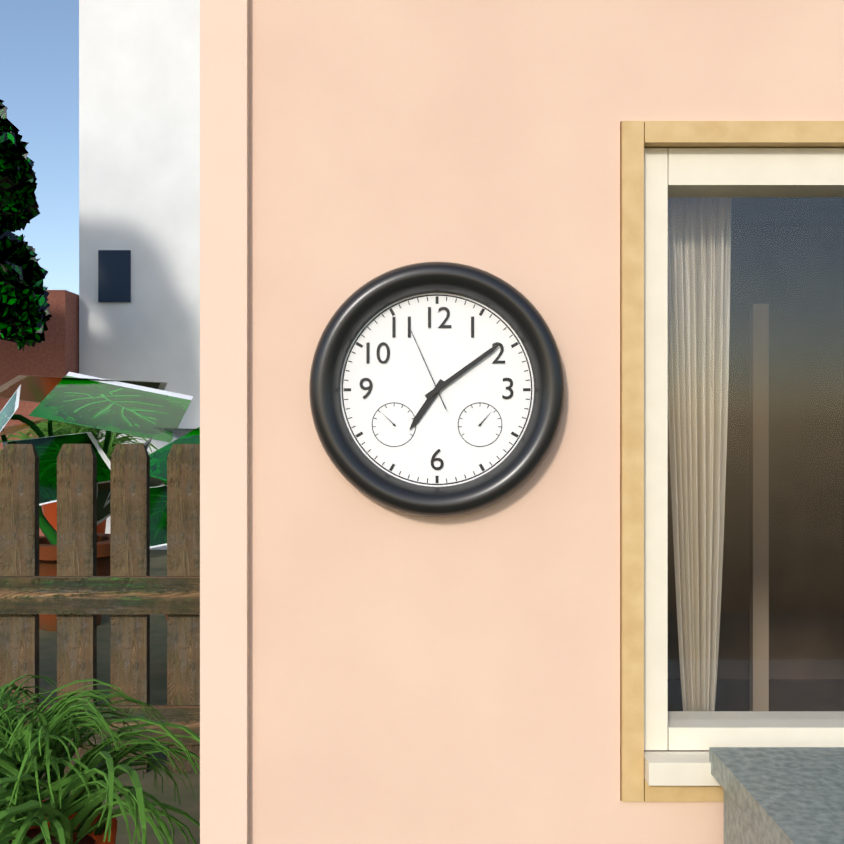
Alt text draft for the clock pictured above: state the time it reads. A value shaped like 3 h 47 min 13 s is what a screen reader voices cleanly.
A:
7 h 09 min 56 s
